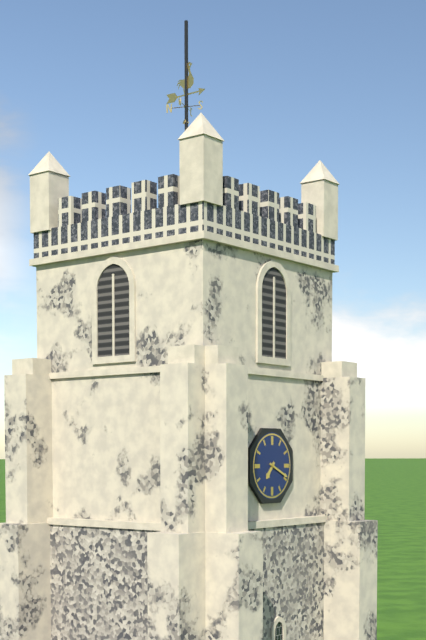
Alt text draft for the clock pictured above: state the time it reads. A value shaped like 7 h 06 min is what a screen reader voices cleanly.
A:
7 h 19 min
